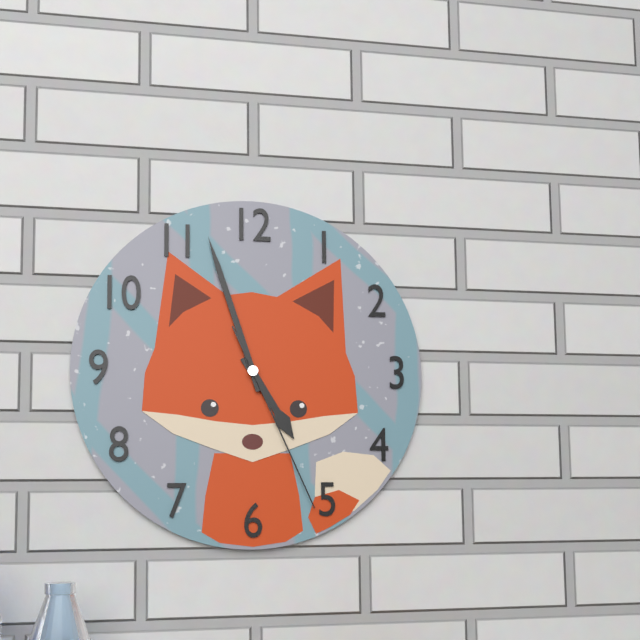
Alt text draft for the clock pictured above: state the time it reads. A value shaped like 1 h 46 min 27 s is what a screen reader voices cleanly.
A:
4 h 57 min 26 s
